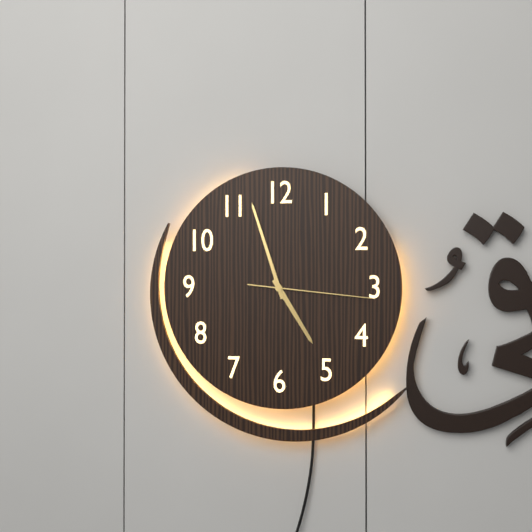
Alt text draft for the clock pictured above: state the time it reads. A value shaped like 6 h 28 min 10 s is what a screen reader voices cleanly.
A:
4 h 57 min 16 s
